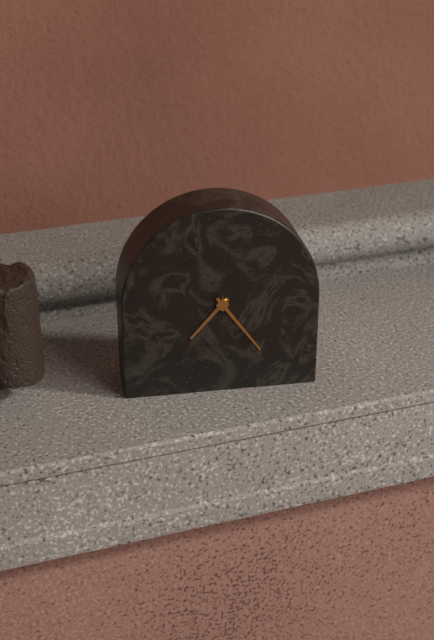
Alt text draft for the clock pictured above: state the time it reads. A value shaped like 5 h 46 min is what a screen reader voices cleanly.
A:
7 h 24 min
